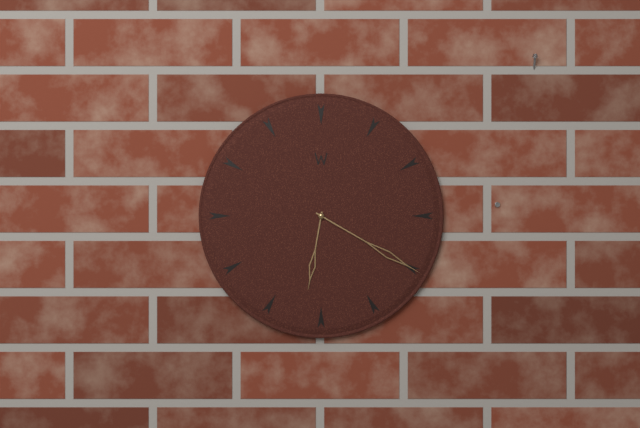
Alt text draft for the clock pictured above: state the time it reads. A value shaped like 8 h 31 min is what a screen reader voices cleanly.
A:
6 h 20 min
